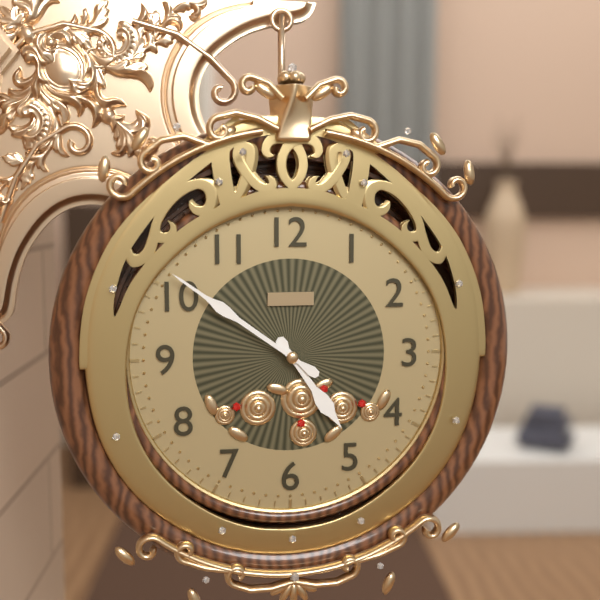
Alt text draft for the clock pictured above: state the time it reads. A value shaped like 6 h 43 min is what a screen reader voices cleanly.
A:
4 h 51 min
